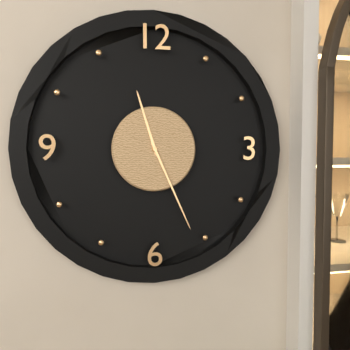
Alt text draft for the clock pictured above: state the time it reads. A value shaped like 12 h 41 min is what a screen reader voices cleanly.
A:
11 h 26 min
